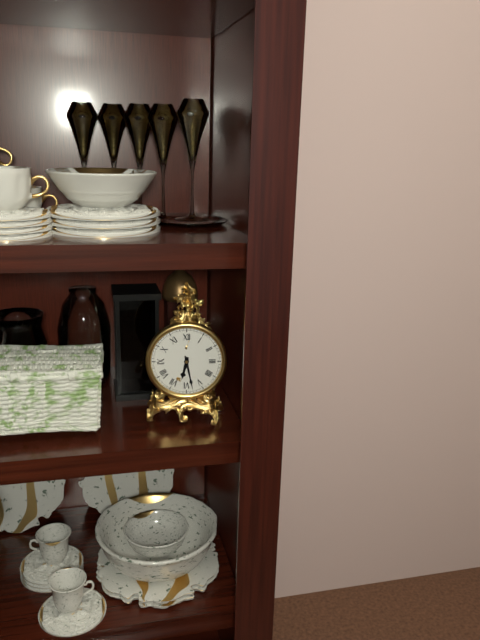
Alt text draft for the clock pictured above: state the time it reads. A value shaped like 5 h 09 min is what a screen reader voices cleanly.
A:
6 h 28 min
